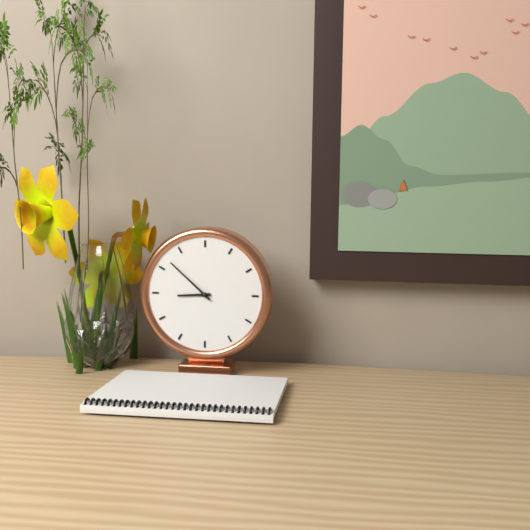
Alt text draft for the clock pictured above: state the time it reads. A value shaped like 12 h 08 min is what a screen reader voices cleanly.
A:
8 h 52 min
